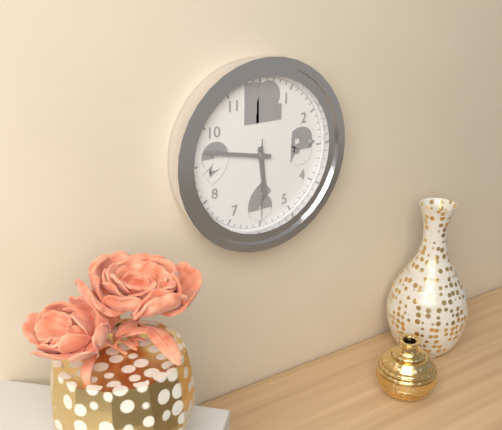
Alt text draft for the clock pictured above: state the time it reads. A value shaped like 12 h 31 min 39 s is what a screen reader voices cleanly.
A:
5 h 47 min 30 s
